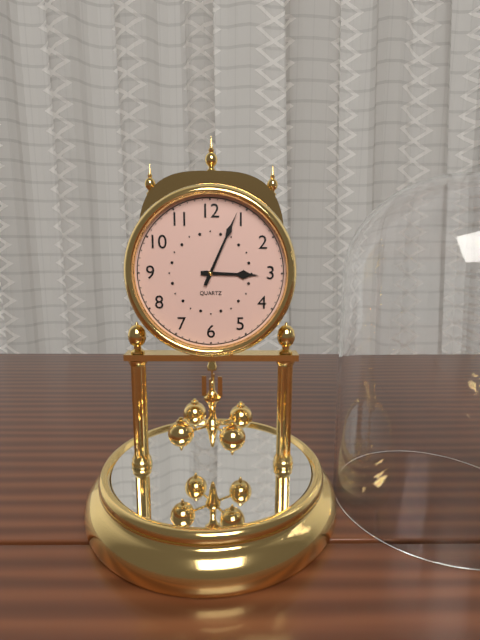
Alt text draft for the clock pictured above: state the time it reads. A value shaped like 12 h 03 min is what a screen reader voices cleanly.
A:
3 h 04 min
